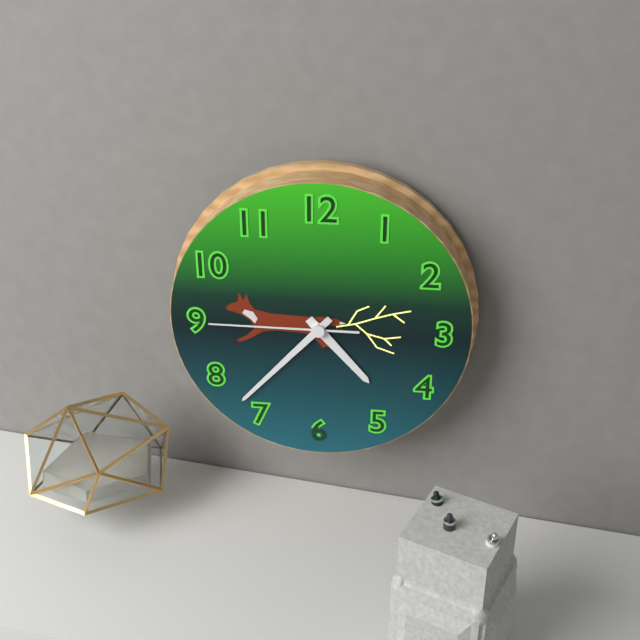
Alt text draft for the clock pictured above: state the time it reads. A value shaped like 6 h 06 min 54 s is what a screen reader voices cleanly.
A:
4 h 37 min 45 s
